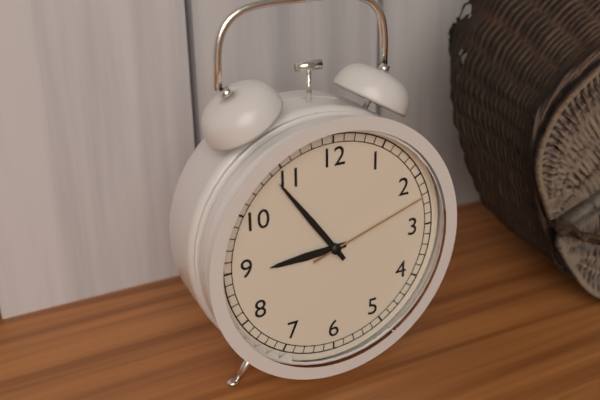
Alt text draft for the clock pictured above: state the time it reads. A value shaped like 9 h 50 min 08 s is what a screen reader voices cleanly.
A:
8 h 54 min 12 s
